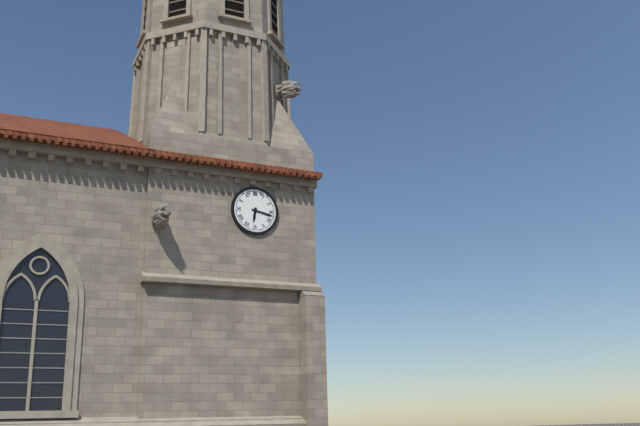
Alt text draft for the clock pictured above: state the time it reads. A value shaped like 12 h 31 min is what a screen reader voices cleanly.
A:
6 h 17 min
